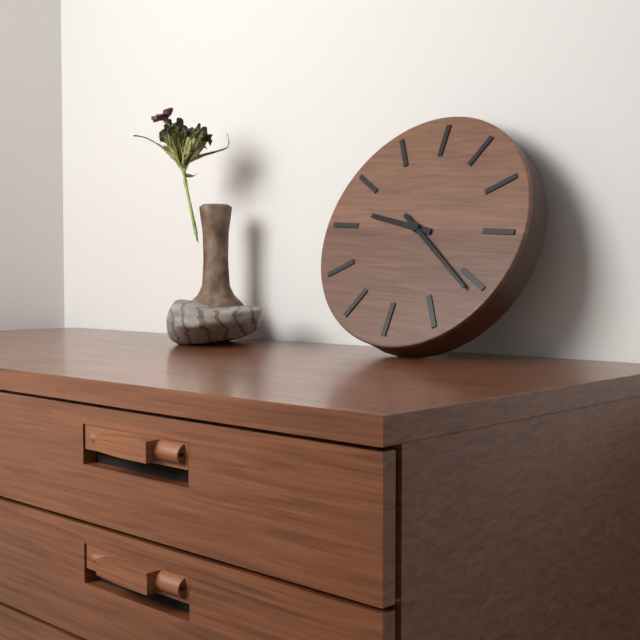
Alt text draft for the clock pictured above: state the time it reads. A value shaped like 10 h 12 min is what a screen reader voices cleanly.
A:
9 h 21 min
